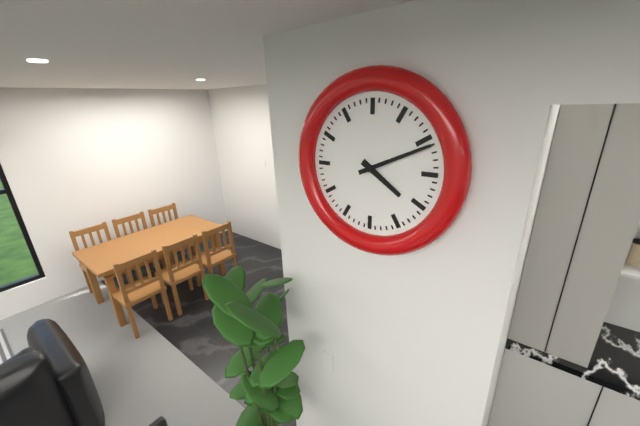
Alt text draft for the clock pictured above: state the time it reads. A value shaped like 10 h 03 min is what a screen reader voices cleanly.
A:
4 h 11 min
